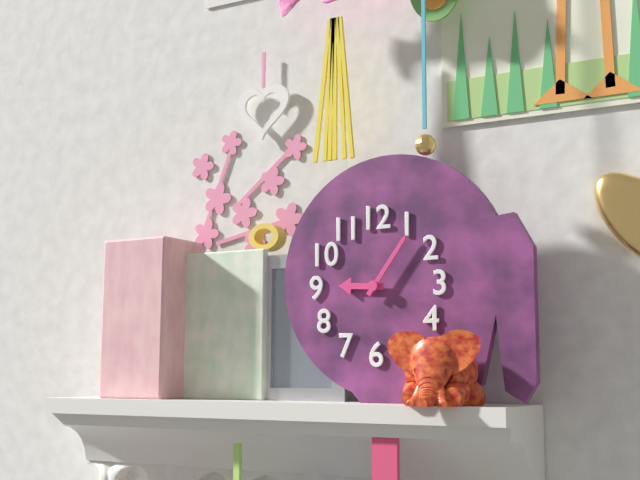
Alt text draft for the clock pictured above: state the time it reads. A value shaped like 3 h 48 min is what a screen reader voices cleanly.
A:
9 h 06 min
